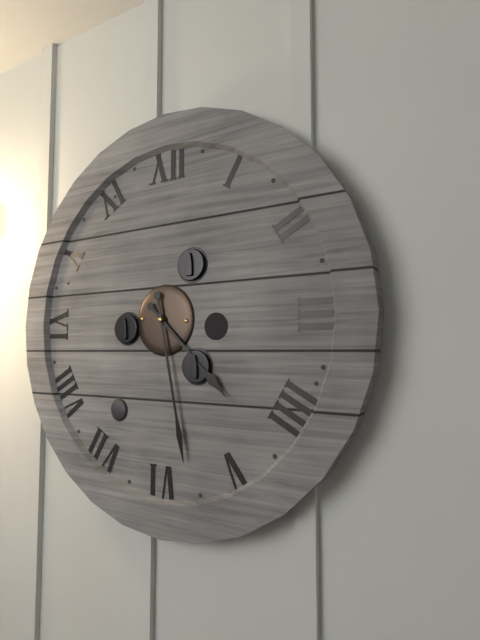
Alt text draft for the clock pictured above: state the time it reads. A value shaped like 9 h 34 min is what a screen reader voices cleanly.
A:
4 h 28 min
